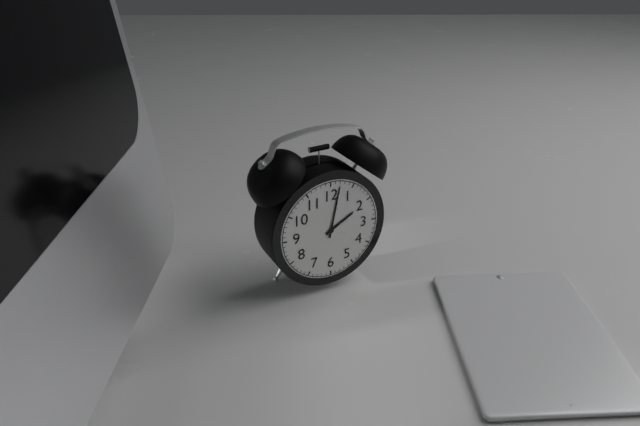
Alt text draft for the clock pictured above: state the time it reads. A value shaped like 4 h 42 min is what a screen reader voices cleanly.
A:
2 h 02 min
